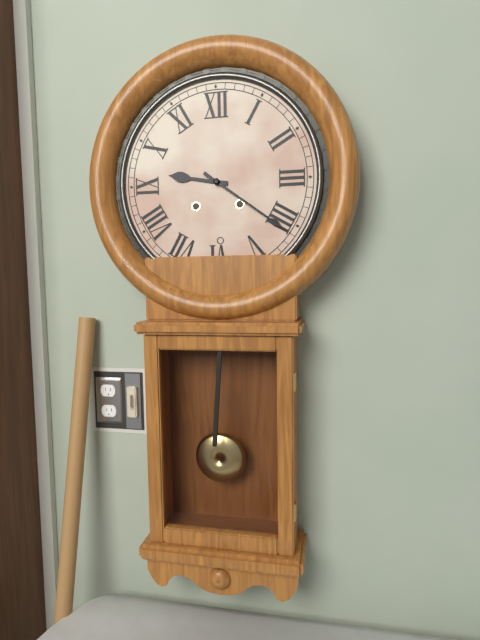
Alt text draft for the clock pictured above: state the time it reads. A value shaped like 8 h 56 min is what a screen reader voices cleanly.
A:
9 h 21 min
